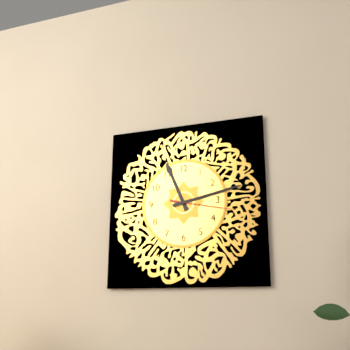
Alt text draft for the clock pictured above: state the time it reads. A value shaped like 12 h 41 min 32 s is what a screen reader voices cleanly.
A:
11 h 13 min 17 s
